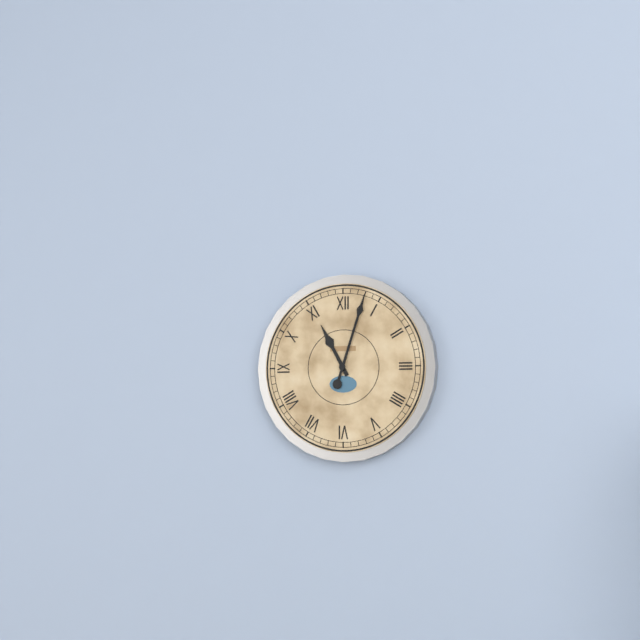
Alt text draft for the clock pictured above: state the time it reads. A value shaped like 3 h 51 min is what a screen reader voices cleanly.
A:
11 h 03 min
